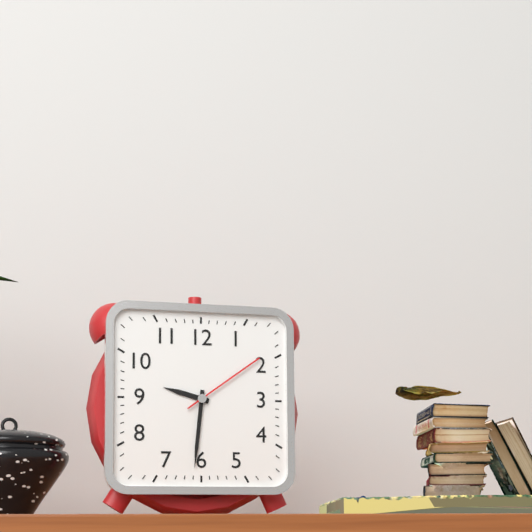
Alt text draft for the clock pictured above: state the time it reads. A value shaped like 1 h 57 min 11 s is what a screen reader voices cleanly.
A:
9 h 31 min 09 s
